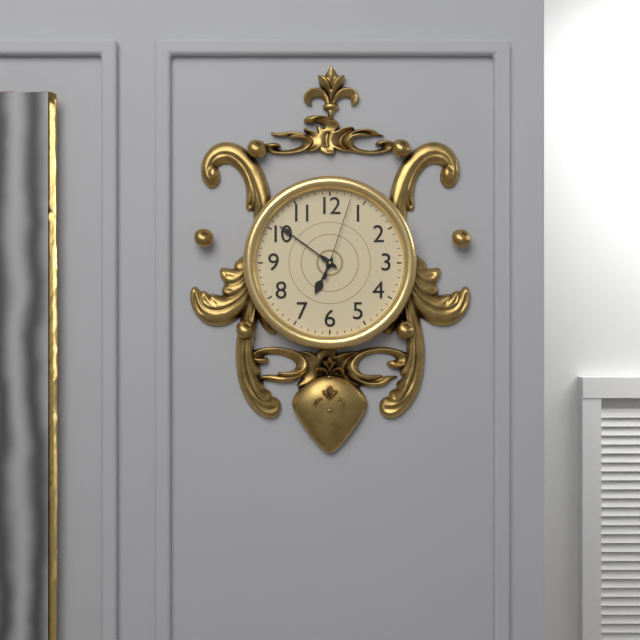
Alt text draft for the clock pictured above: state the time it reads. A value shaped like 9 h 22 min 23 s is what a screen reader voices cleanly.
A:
6 h 51 min 03 s
